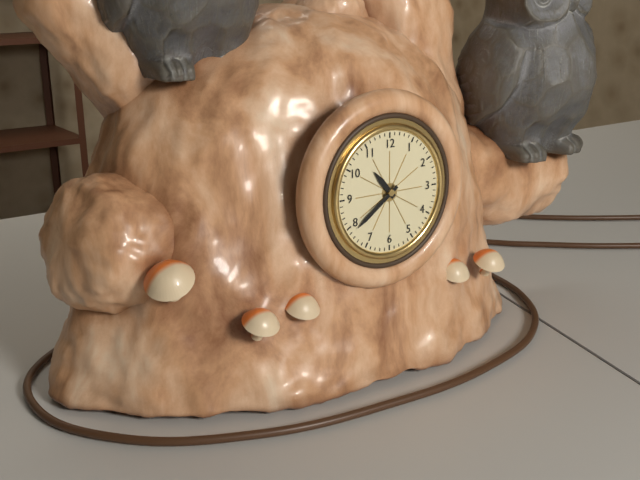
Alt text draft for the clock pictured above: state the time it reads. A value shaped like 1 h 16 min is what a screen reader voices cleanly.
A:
10 h 39 min
